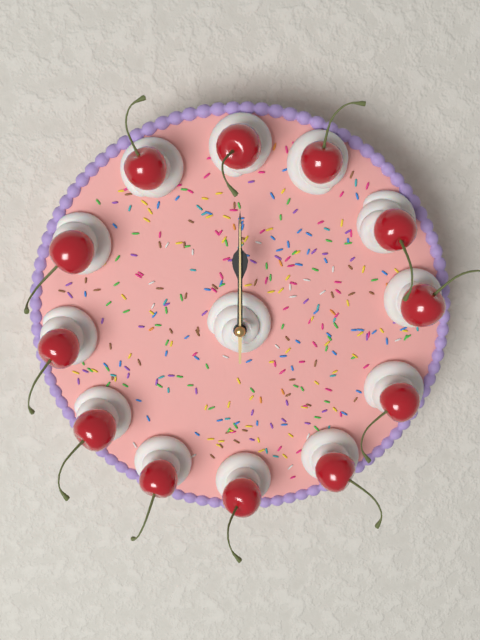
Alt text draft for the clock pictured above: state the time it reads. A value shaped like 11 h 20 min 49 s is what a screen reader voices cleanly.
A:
12 h 00 min 00 s
